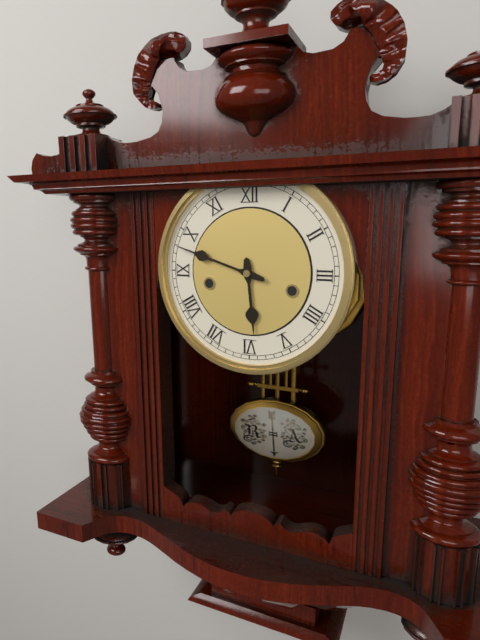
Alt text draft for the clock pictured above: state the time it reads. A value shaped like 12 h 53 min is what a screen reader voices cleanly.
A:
5 h 48 min
